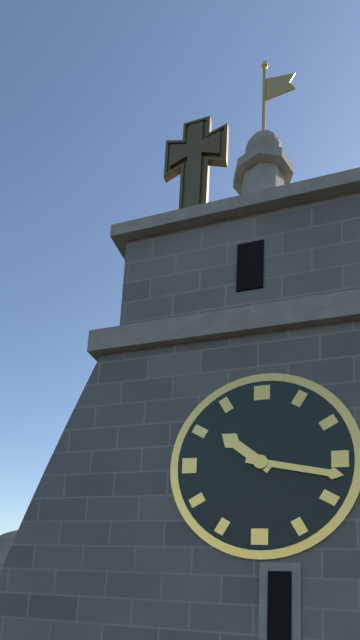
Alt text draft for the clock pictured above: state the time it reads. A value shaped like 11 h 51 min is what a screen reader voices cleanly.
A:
10 h 17 min
